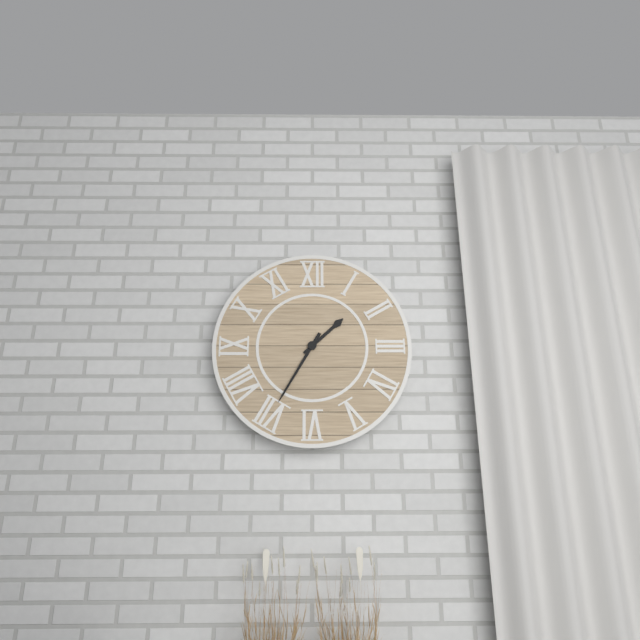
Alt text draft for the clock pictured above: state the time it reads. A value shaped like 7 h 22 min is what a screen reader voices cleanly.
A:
1 h 35 min
